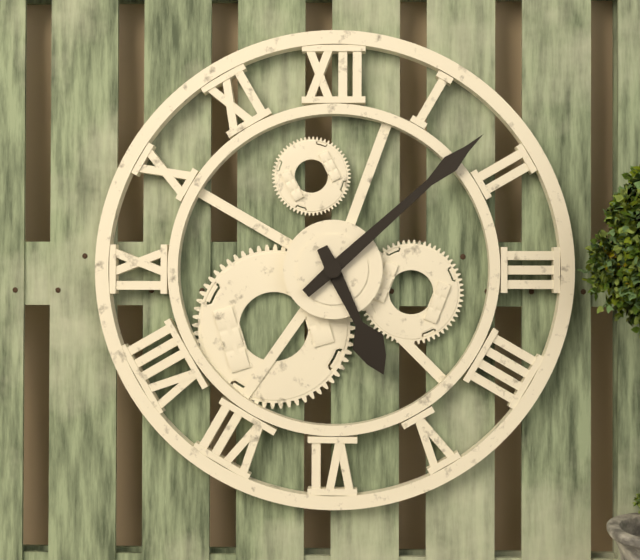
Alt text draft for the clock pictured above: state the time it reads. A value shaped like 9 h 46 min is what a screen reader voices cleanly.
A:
5 h 08 min
